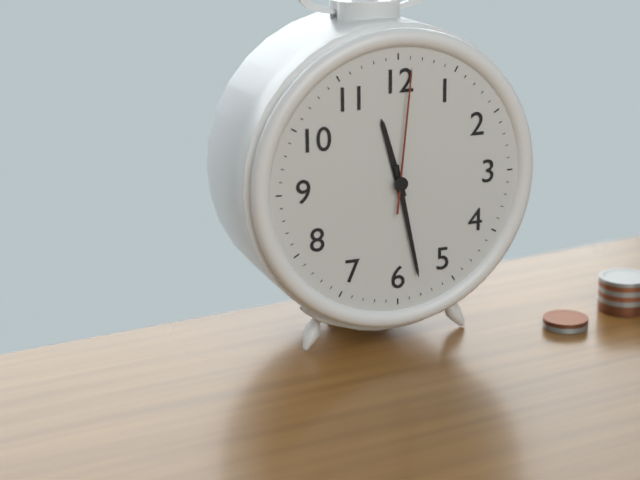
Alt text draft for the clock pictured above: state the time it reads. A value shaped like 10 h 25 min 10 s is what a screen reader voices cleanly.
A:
11 h 28 min 01 s
